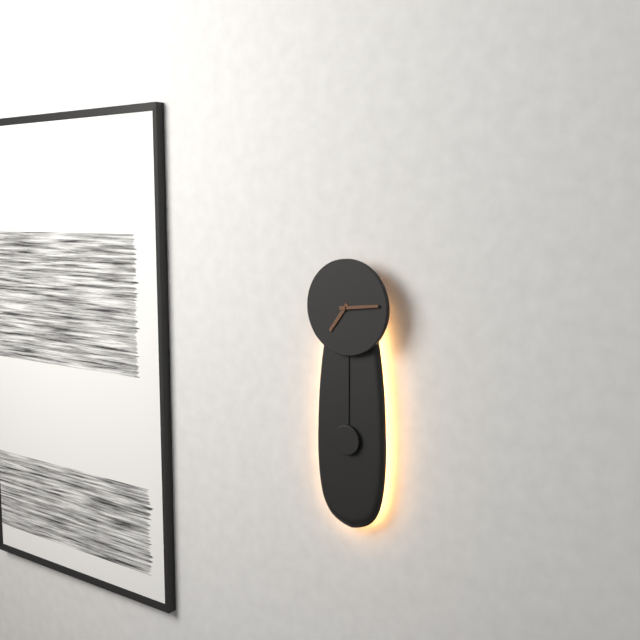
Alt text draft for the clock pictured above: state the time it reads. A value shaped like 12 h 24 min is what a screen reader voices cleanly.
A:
7 h 14 min
